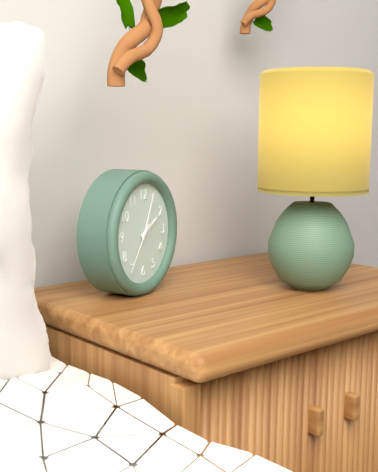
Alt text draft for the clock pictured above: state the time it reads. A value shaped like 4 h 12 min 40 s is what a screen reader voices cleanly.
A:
2 h 04 min 36 s
